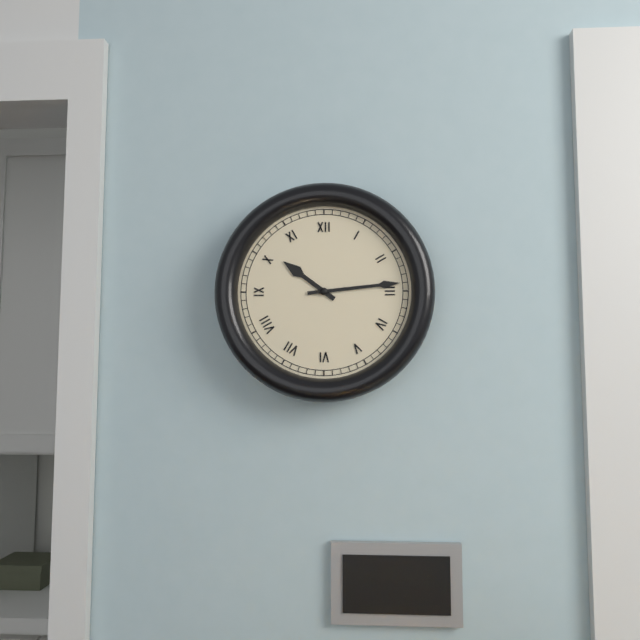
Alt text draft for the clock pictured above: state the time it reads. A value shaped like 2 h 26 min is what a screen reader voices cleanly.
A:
10 h 14 min
